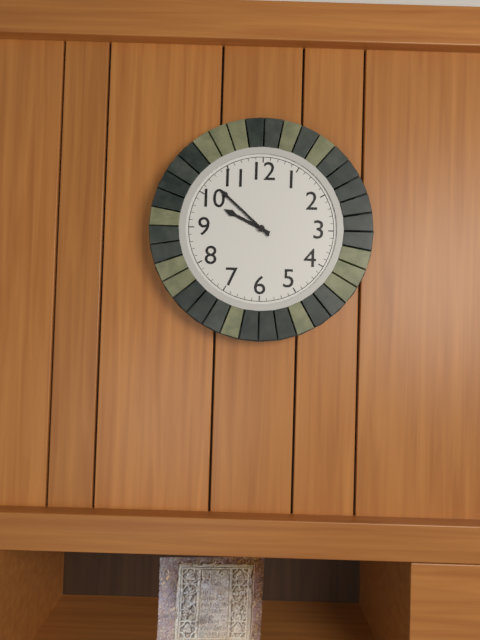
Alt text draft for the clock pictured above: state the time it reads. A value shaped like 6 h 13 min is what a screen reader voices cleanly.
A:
9 h 52 min
